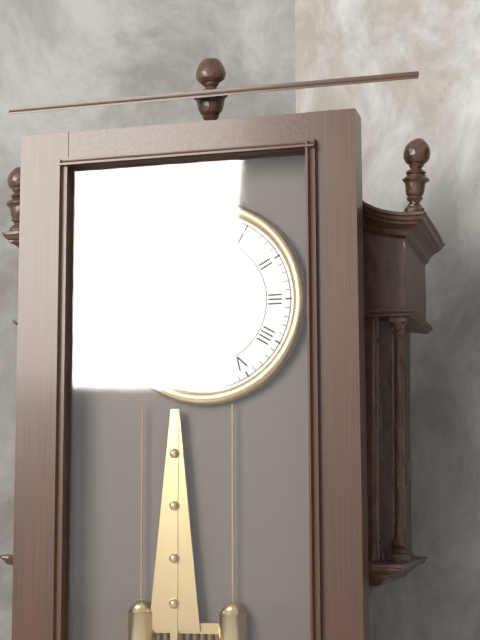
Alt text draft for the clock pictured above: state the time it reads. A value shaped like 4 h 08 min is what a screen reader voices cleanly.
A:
11 h 51 min
